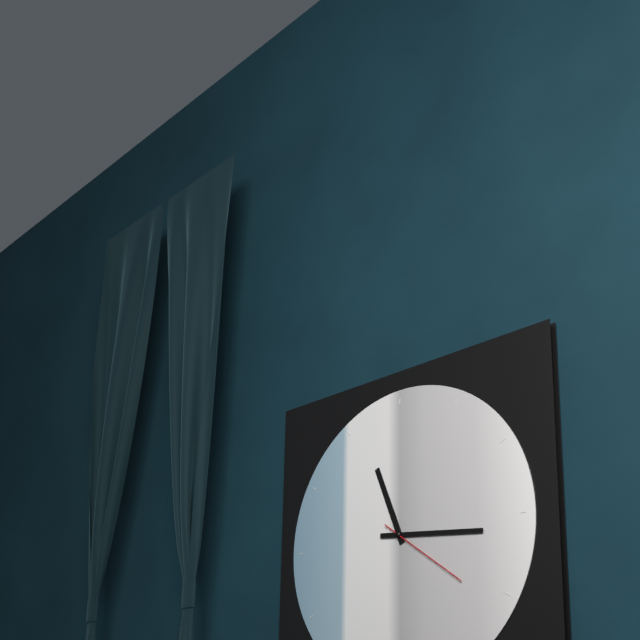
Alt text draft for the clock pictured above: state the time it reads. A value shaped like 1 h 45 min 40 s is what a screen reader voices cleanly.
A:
11 h 16 min 21 s
